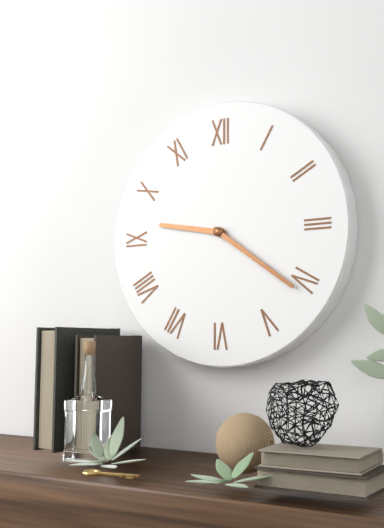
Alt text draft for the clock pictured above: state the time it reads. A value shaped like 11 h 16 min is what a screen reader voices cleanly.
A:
9 h 21 min
